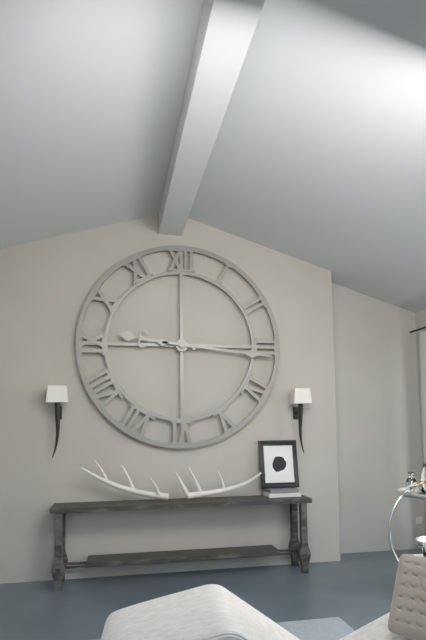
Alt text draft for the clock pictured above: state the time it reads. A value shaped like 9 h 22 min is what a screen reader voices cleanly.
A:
9 h 16 min
